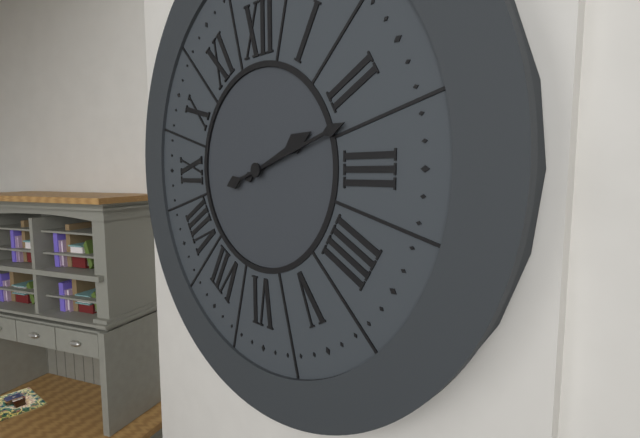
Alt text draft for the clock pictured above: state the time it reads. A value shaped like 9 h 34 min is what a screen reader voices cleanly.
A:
2 h 12 min
